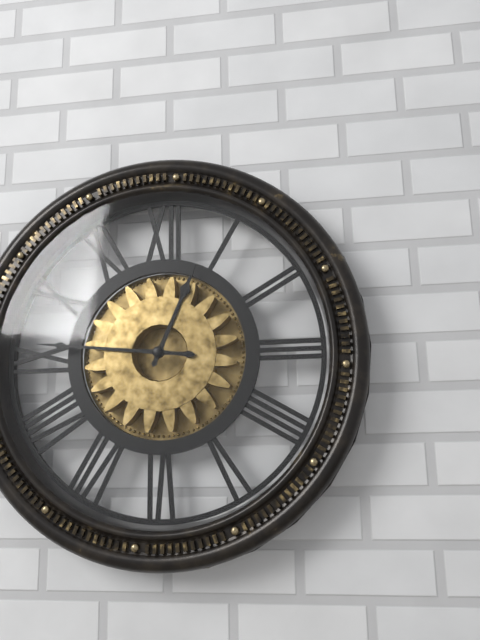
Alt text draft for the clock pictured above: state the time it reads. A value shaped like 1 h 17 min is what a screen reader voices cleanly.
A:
12 h 46 min
